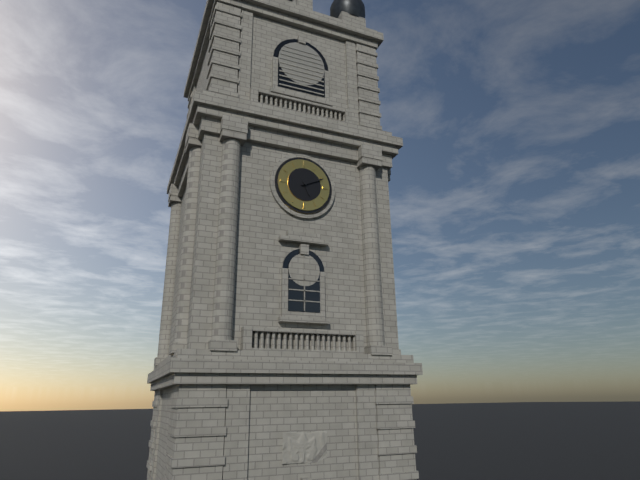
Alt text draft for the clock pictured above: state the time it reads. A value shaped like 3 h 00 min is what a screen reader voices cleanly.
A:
5 h 11 min
